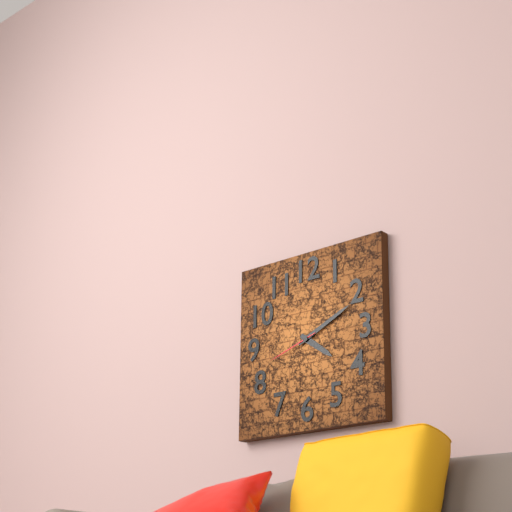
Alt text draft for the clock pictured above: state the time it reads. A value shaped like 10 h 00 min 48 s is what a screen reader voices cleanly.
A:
4 h 11 min 42 s
